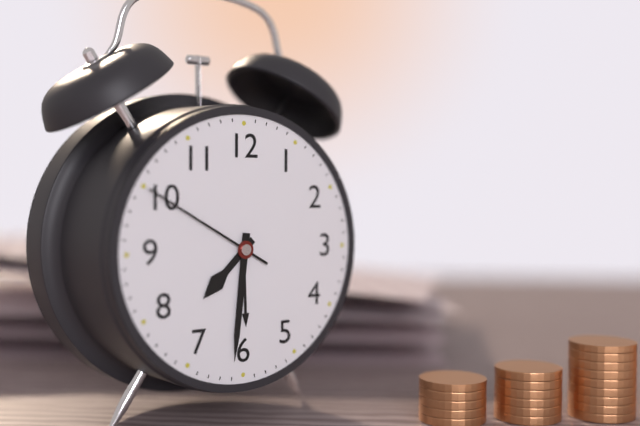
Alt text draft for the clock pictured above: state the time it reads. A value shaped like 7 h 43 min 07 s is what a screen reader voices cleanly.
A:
7 h 31 min 50 s
